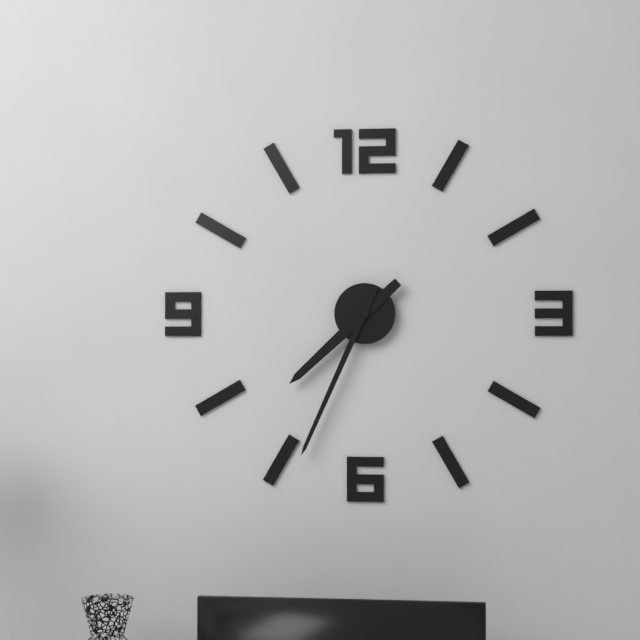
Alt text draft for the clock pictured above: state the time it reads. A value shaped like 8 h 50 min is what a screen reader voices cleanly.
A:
7 h 34 min
